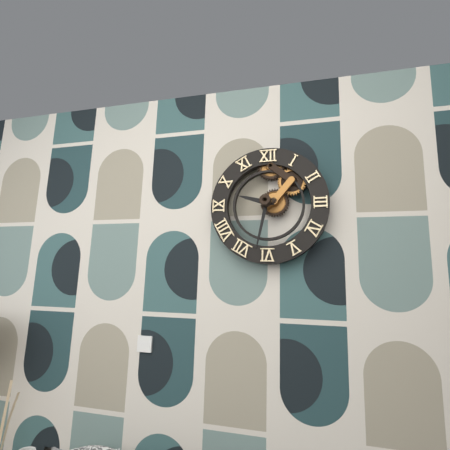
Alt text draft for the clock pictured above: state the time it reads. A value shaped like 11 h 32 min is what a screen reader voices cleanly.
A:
9 h 32 min
